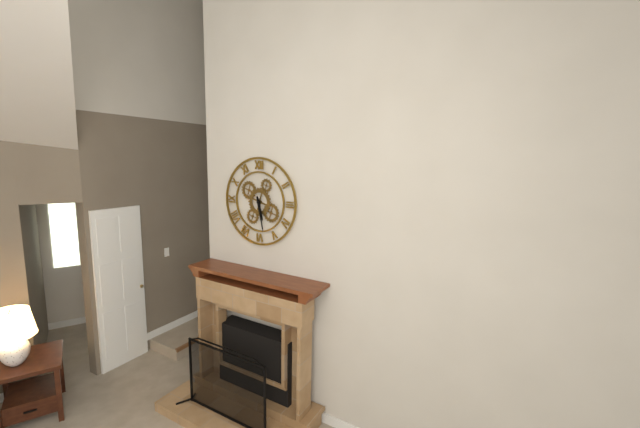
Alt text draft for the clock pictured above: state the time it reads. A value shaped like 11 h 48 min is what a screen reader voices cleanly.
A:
5 h 28 min
